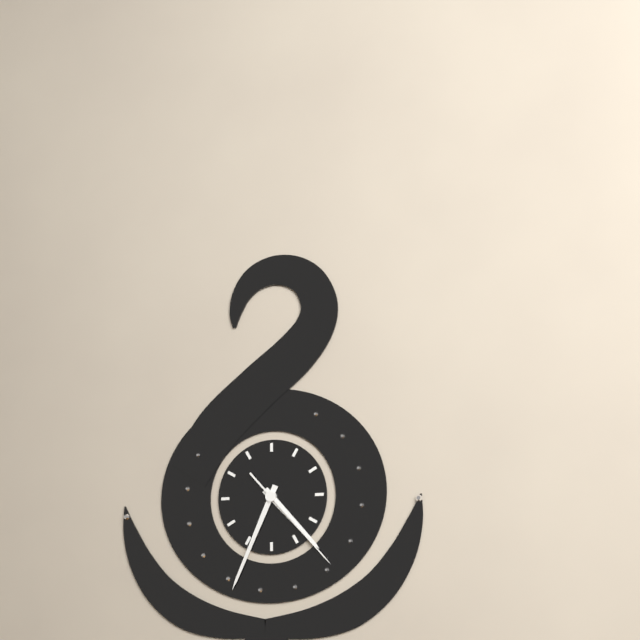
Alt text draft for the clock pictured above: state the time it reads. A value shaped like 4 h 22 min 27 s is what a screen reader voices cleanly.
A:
4 h 34 min 23 s
